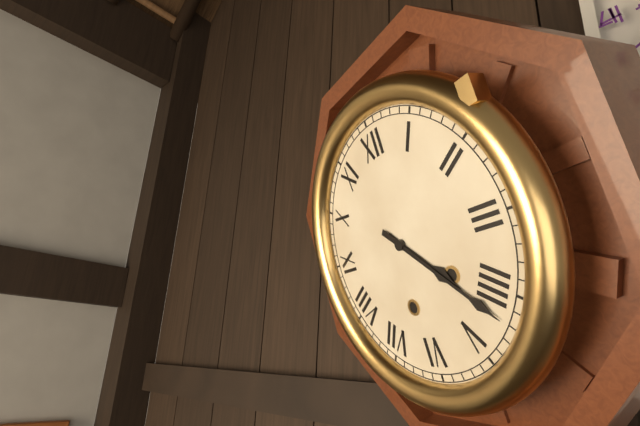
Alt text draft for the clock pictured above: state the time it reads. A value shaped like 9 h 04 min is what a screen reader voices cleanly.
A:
4 h 22 min
